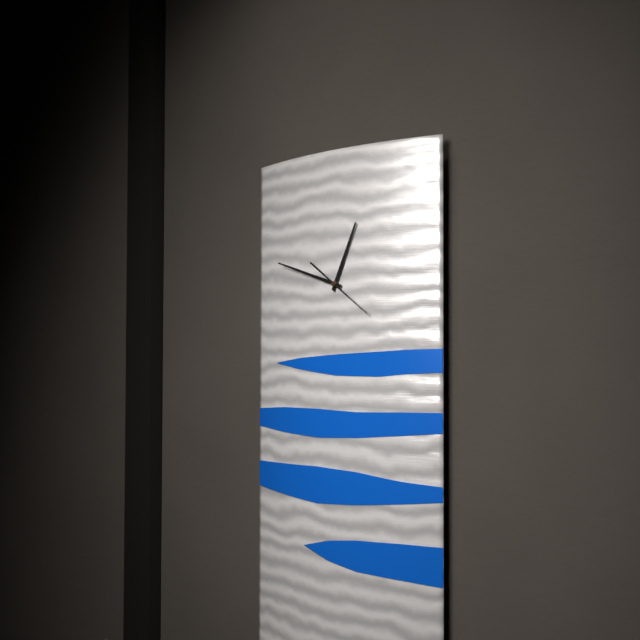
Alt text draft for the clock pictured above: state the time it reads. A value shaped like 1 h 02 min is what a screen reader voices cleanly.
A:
12 h 48 min
